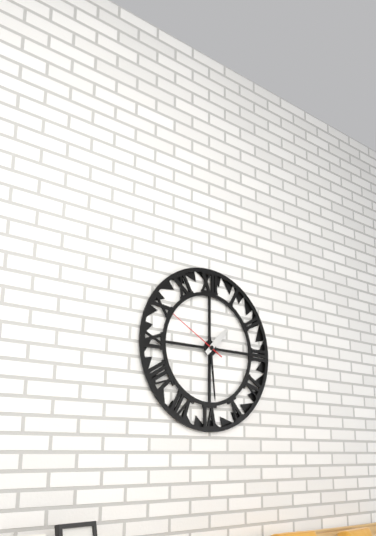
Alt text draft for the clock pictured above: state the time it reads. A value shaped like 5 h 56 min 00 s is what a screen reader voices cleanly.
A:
1 h 29 min 50 s
